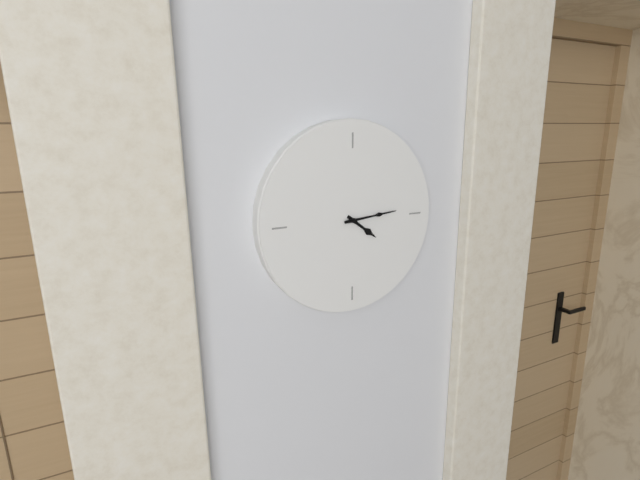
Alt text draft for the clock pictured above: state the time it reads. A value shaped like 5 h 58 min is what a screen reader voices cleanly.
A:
4 h 14 min
